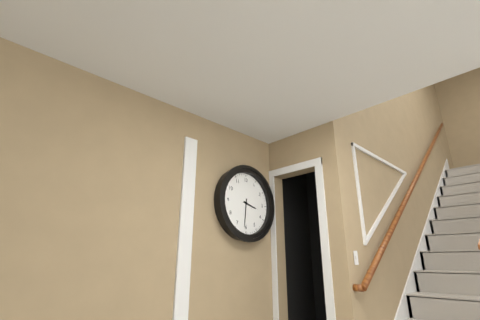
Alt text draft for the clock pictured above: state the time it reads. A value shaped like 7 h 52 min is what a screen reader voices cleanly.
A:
3 h 31 min
